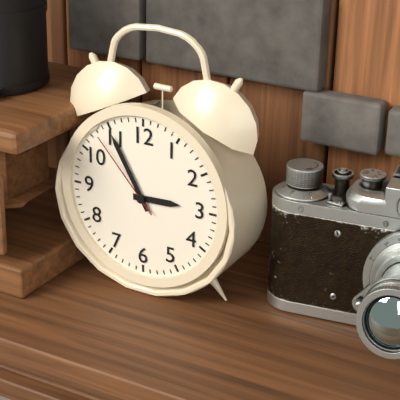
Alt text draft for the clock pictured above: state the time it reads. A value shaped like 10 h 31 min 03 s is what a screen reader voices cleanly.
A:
2 h 55 min 53 s
